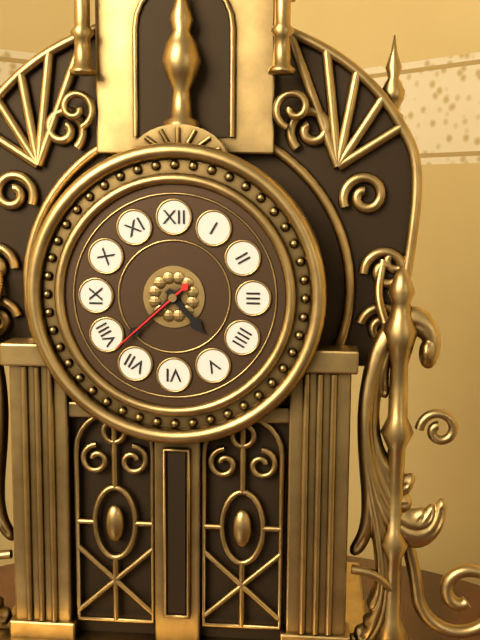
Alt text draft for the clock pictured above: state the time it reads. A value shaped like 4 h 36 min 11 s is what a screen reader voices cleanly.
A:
4 h 38 min 38 s
